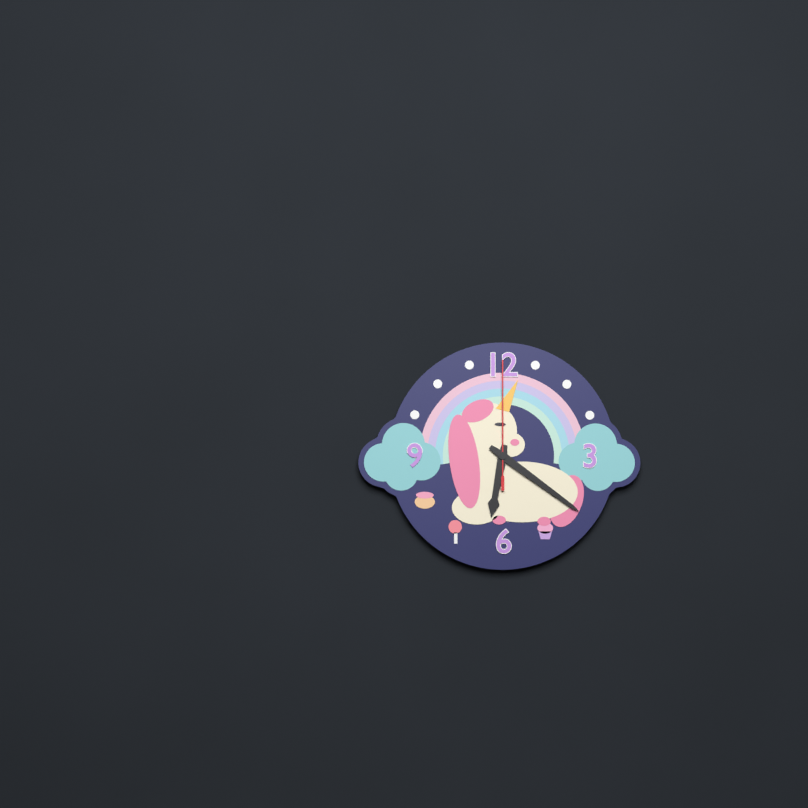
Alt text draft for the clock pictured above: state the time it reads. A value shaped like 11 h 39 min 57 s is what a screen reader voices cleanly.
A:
6 h 21 min 00 s
